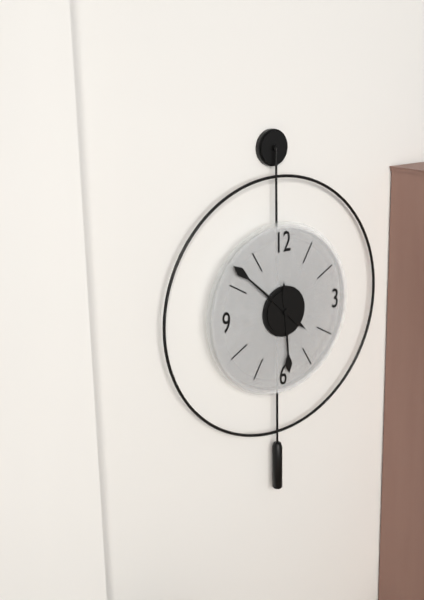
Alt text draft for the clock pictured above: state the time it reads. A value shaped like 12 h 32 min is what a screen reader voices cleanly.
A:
5 h 52 min
